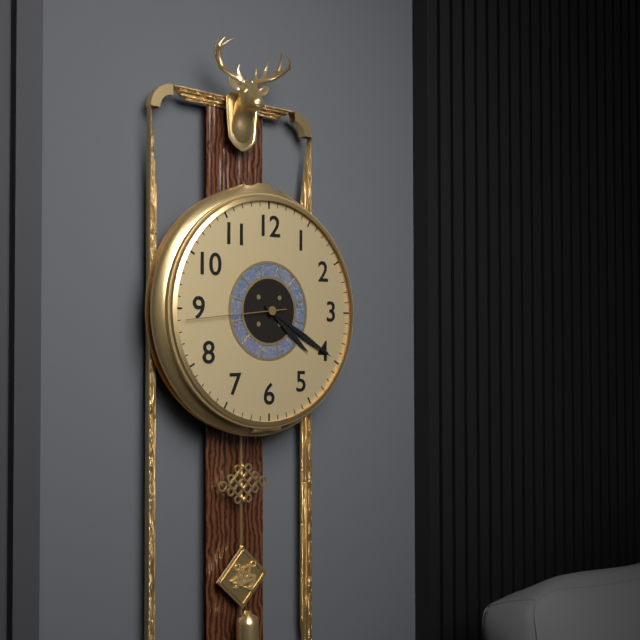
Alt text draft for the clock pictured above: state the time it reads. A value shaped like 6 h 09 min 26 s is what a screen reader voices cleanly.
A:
4 h 20 min 44 s
